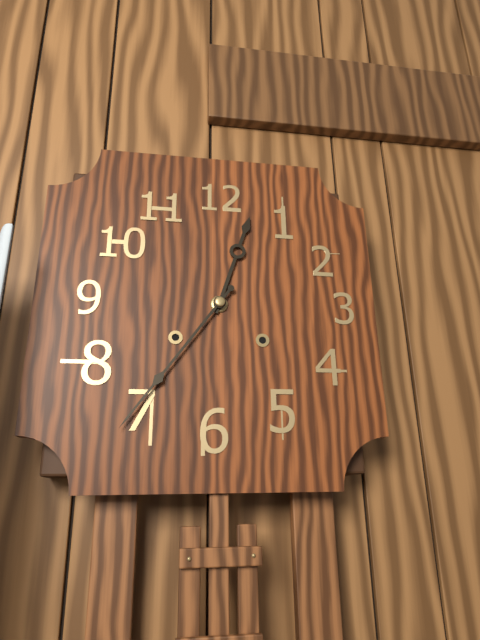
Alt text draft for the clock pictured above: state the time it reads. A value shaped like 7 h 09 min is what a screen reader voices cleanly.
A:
12 h 36 min
